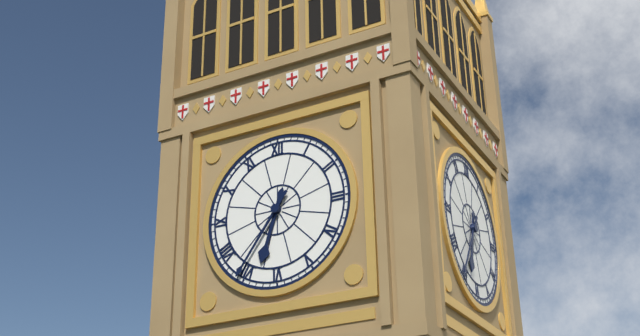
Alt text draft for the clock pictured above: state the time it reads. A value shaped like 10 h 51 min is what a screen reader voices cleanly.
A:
6 h 36 min
